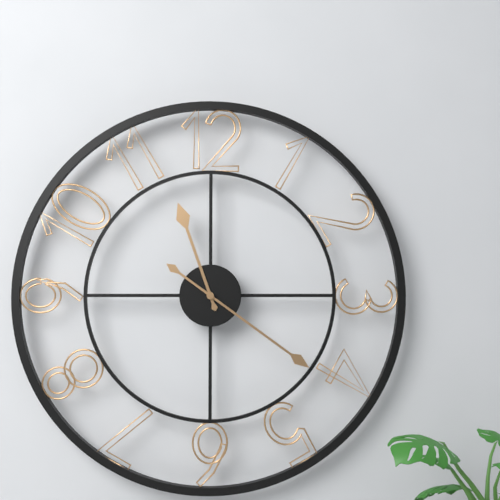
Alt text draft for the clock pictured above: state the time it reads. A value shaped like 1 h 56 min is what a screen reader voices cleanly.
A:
11 h 21 min
